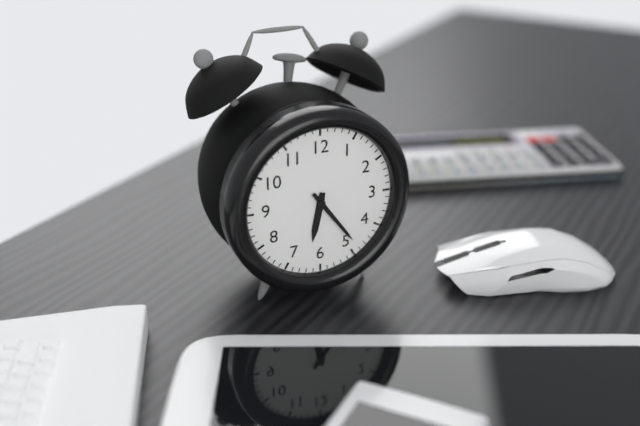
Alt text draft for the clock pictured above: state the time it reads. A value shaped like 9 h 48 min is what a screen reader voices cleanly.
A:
6 h 24 min
